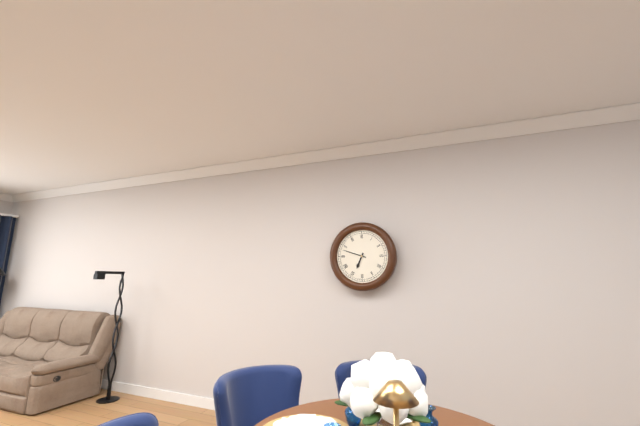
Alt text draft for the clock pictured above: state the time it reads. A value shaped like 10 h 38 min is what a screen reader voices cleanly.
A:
6 h 48 min
